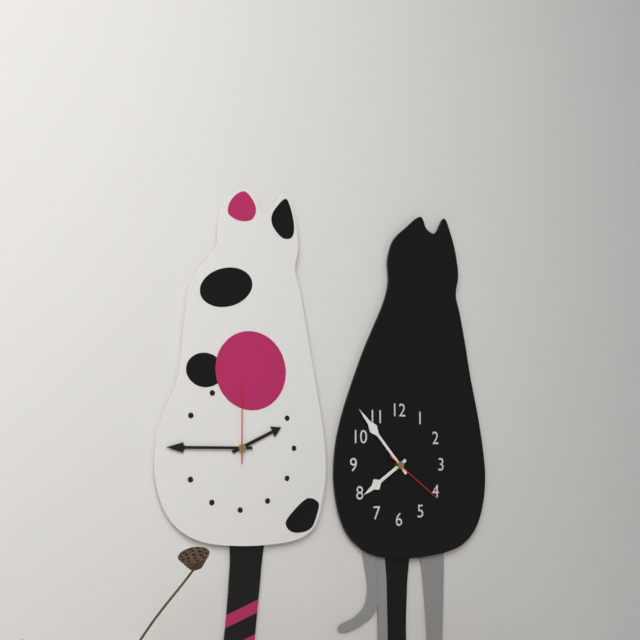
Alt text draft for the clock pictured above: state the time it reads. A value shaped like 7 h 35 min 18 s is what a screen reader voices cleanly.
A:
7 h 53 min 21 s
